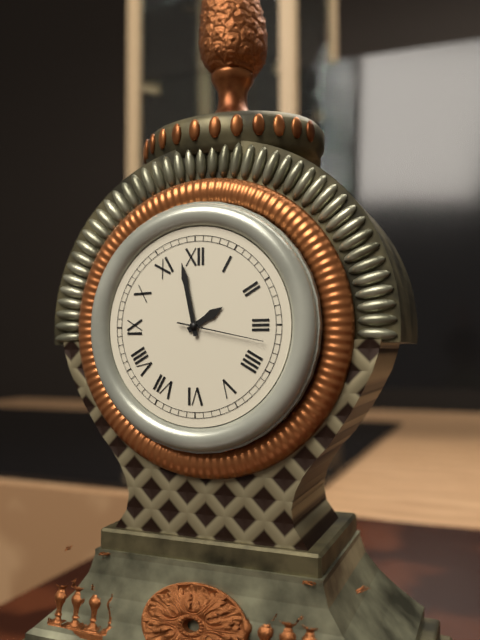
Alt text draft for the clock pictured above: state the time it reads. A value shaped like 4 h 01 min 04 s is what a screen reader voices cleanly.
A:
1 h 58 min 17 s
